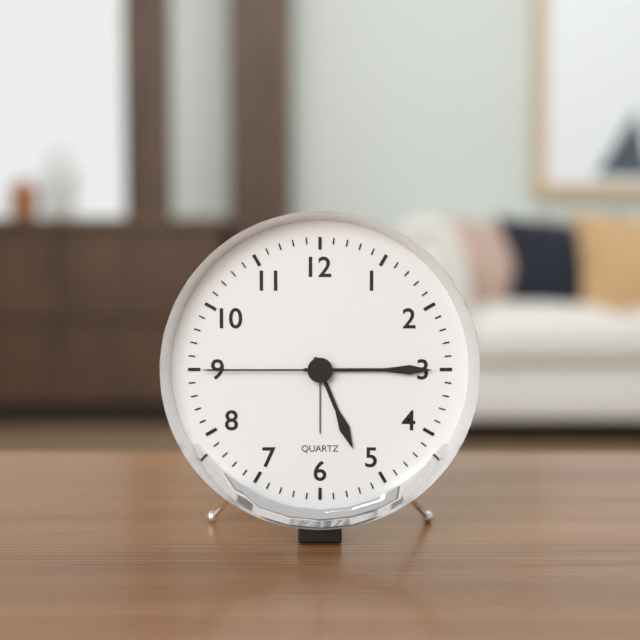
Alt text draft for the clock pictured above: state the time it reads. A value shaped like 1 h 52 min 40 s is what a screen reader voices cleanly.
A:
5 h 15 min 45 s
